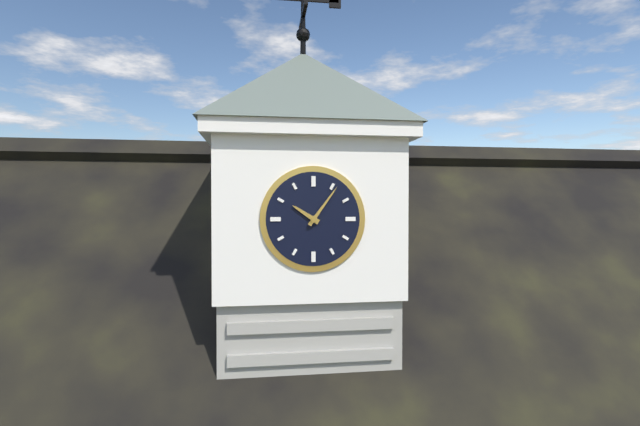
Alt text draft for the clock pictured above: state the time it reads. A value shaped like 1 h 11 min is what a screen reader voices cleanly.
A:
10 h 06 min
